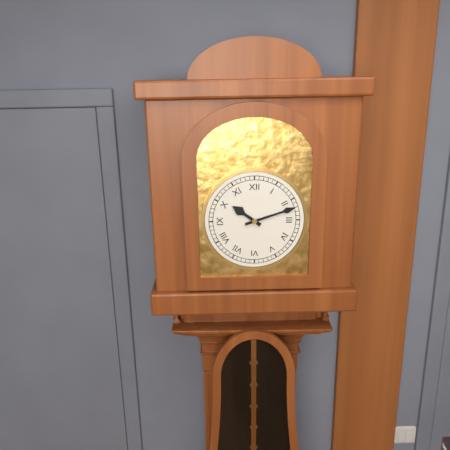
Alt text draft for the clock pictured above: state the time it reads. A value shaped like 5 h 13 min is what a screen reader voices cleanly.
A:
10 h 12 min
